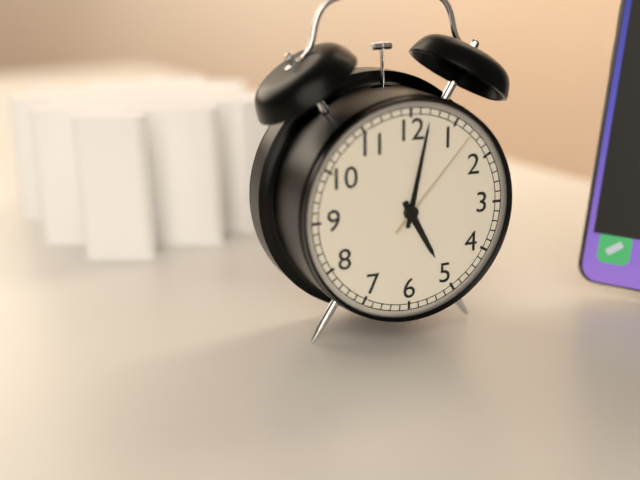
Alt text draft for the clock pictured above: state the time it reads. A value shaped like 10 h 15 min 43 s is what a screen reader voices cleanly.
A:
5 h 02 min 07 s
